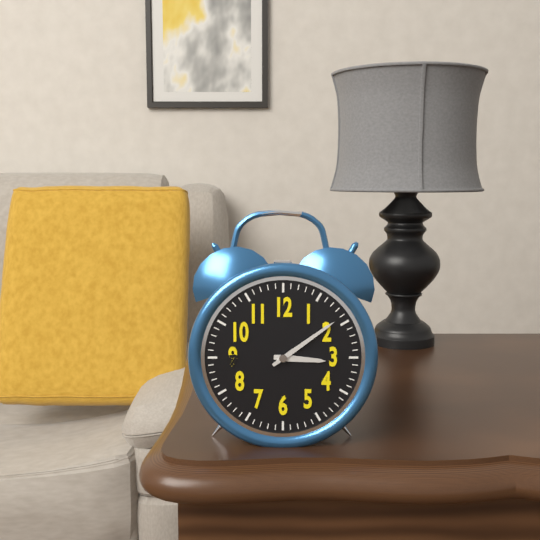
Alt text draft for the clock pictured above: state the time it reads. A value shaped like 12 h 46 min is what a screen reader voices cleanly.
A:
3 h 09 min
